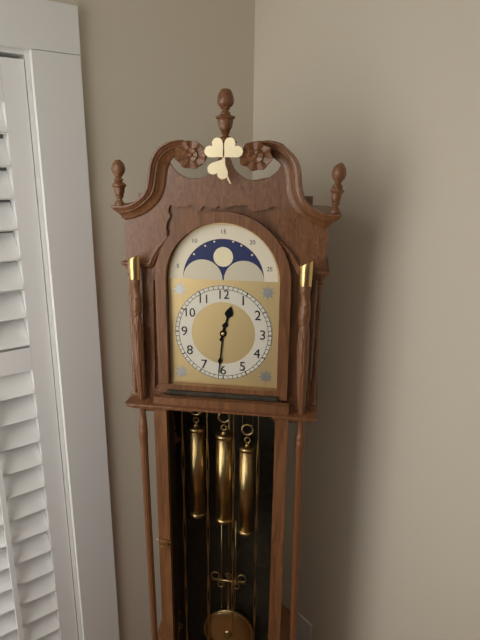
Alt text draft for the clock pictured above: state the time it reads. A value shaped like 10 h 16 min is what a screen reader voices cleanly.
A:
12 h 31 min
